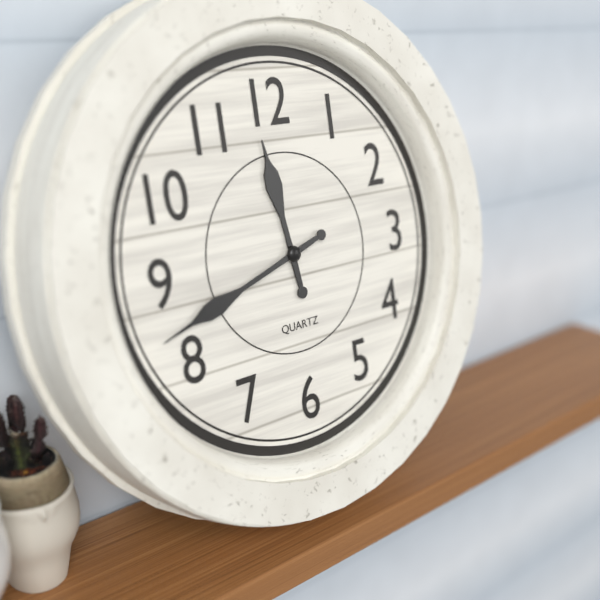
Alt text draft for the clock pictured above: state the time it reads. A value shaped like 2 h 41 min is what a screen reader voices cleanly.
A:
11 h 42 min
